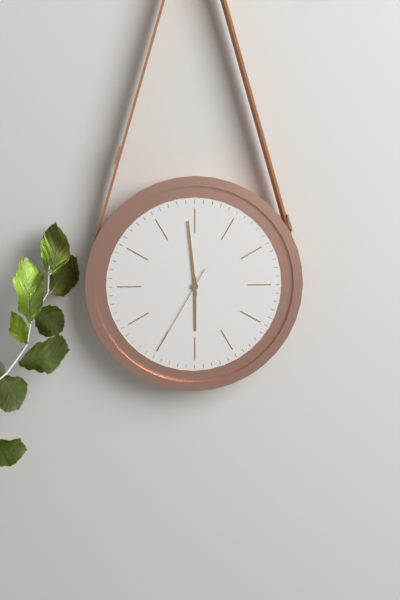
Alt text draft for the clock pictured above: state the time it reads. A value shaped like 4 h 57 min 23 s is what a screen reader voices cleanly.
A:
5 h 59 min 35 s
